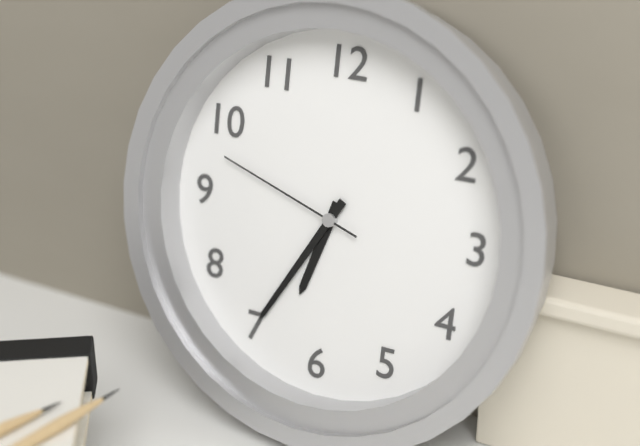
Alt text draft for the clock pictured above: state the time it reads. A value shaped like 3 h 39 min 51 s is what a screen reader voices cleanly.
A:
6 h 35 min 48 s
